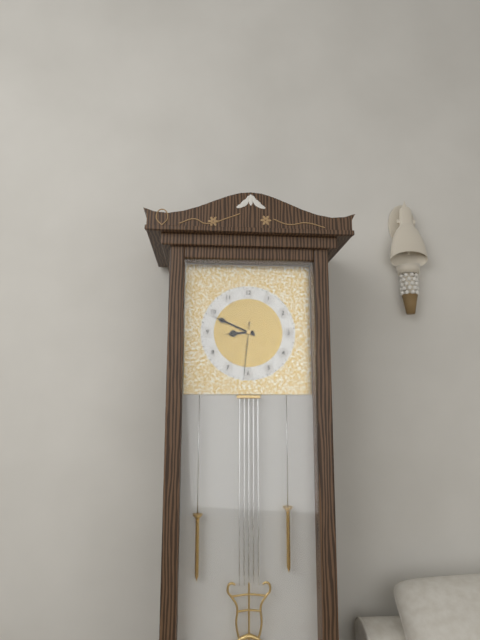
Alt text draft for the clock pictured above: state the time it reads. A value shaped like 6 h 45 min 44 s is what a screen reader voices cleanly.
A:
8 h 49 min 31 s
